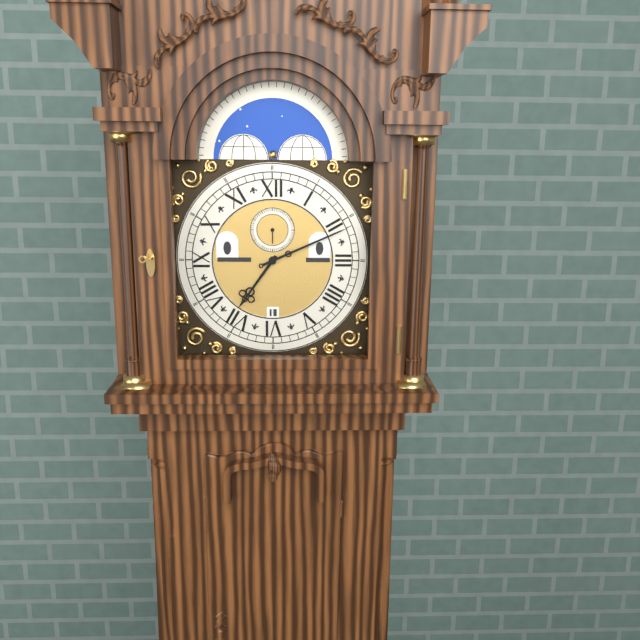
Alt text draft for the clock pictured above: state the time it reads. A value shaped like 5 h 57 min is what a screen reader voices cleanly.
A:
7 h 11 min
